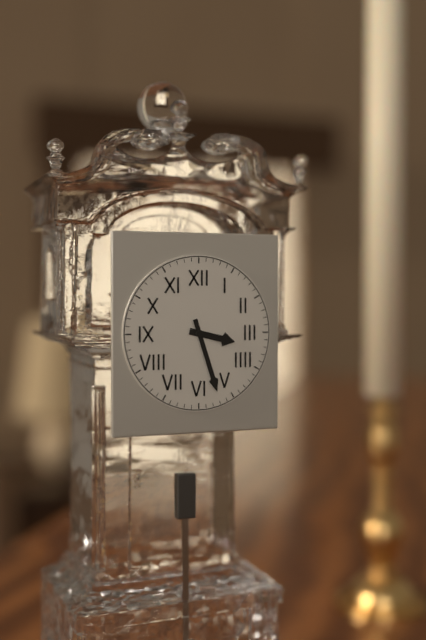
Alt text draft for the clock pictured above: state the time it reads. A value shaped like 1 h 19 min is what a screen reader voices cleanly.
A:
3 h 27 min
